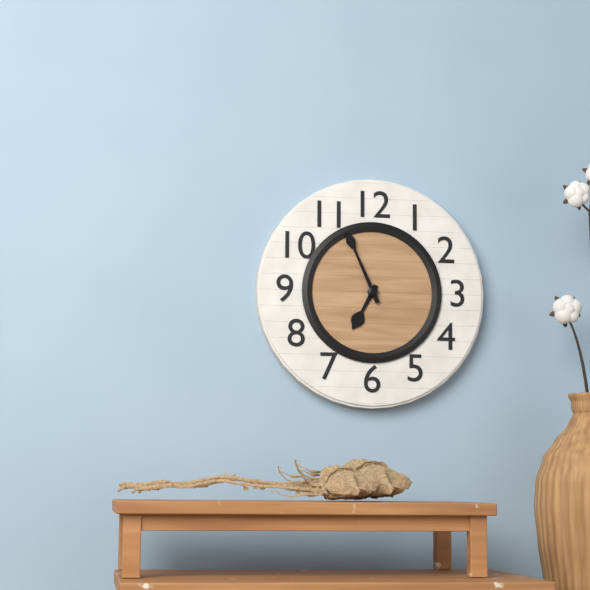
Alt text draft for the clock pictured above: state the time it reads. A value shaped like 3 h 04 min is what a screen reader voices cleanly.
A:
6 h 56 min
